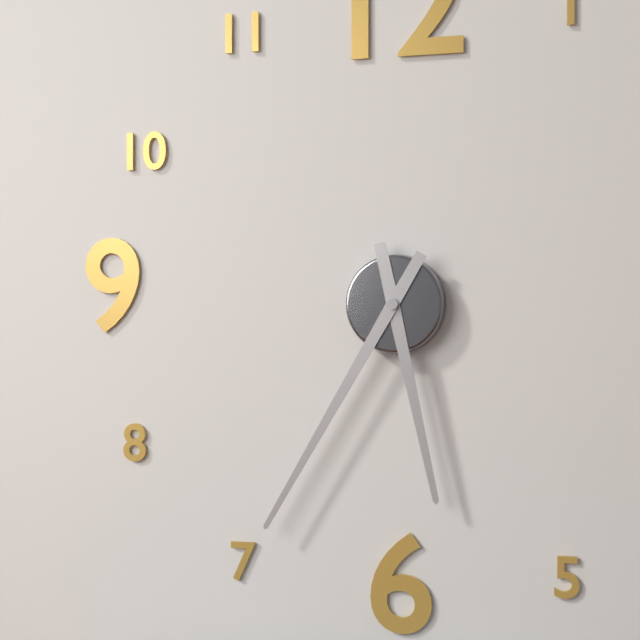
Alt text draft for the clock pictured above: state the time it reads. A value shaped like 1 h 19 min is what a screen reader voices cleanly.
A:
5 h 35 min
